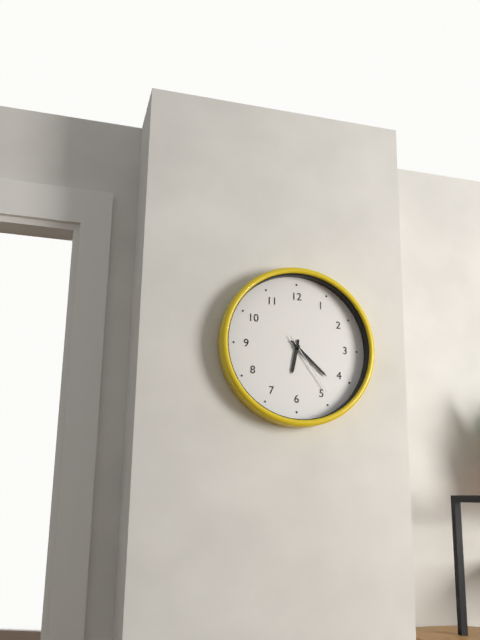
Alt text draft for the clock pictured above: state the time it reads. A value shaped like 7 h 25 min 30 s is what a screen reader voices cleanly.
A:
6 h 22 min 24 s
